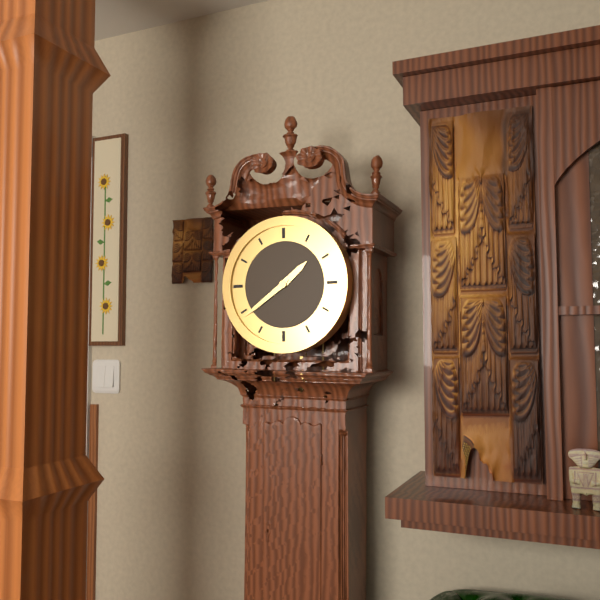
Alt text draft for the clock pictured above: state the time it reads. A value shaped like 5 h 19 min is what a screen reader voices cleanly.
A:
1 h 39 min
